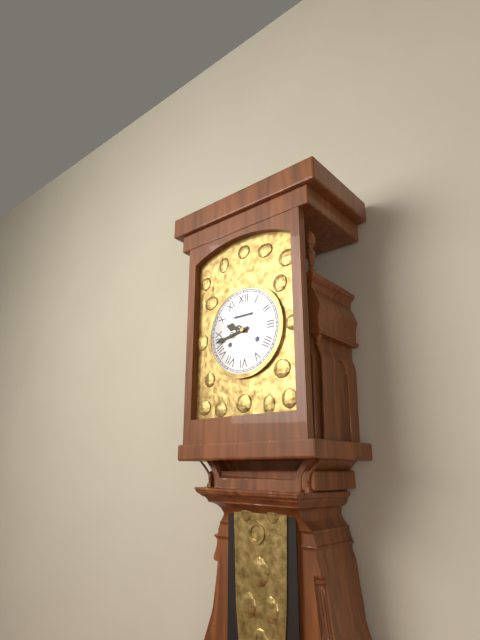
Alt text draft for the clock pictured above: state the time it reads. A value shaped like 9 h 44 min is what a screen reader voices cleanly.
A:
9 h 43 min
